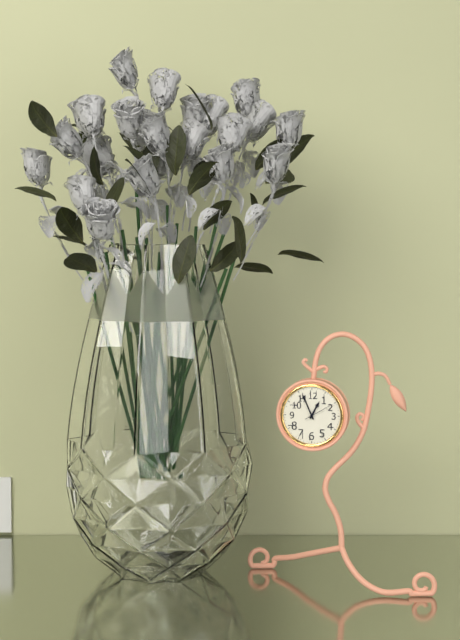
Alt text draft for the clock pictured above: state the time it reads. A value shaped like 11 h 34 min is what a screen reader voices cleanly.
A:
12 h 56 min
